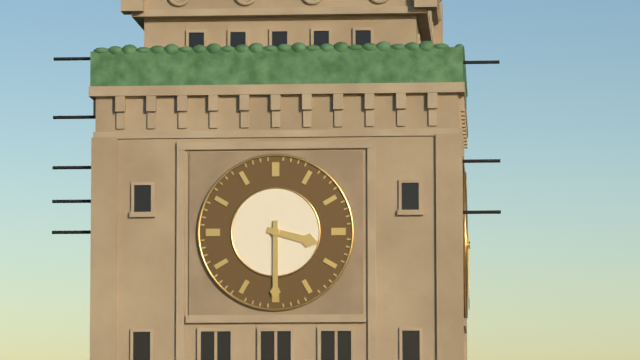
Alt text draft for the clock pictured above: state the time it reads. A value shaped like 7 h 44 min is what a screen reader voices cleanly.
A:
3 h 30 min
